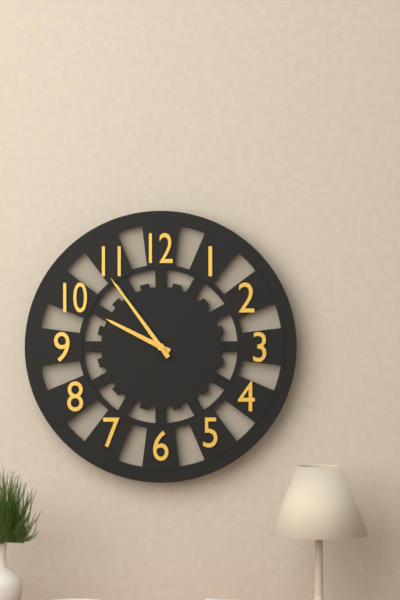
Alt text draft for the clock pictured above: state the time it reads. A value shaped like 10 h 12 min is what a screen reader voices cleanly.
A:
9 h 54 min
